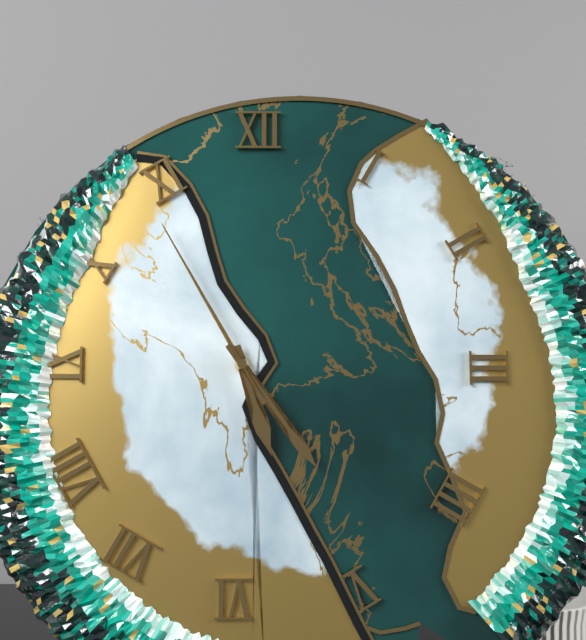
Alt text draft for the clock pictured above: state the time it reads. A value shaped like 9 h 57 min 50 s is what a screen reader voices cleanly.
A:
5 h 24 min 55 s
